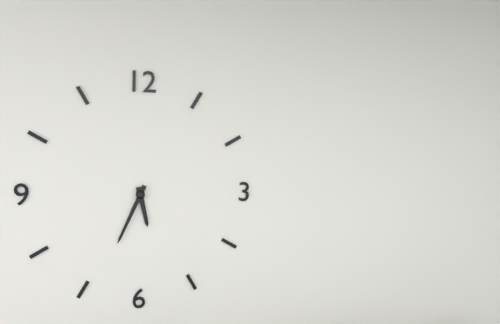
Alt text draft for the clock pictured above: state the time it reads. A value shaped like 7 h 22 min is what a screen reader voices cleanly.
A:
5 h 34 min
